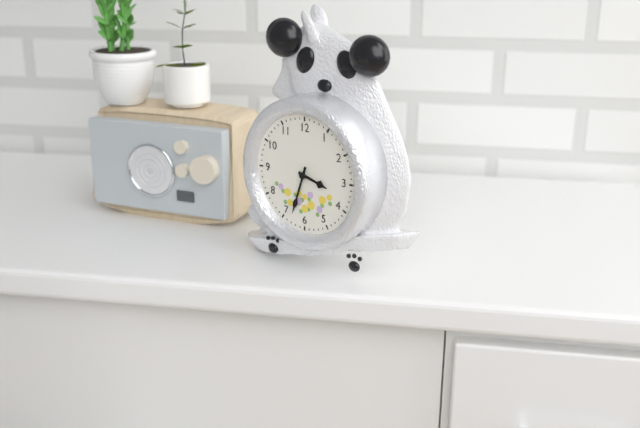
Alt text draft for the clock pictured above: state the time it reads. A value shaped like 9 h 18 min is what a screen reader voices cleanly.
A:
3 h 33 min
